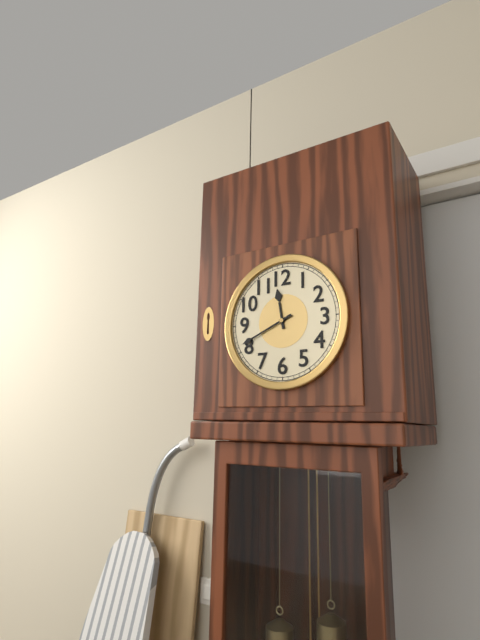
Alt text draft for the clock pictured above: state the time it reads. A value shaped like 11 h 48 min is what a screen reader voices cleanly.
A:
11 h 41 min
